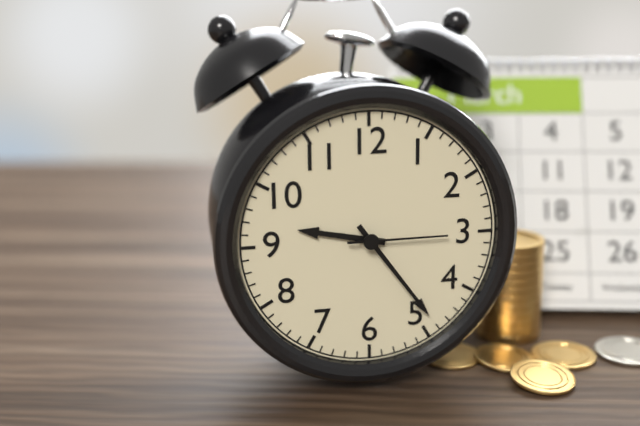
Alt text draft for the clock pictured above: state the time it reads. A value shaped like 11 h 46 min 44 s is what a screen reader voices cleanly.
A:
9 h 24 min 15 s
